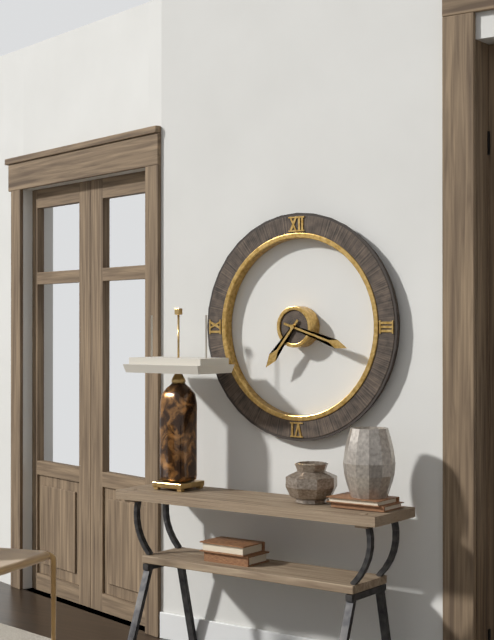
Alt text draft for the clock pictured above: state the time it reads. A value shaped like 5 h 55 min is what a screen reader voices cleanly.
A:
7 h 18 min
